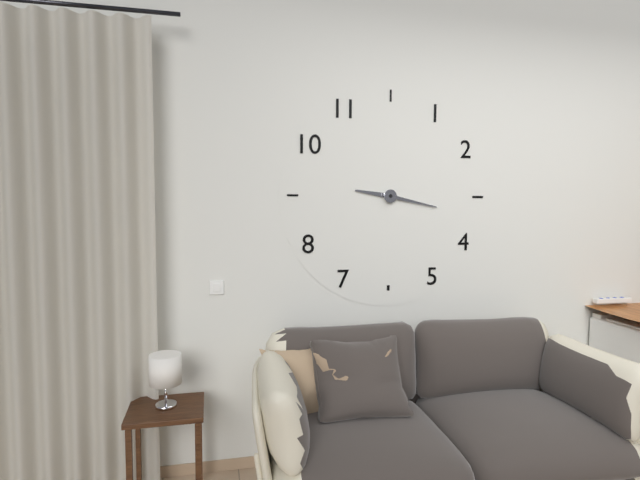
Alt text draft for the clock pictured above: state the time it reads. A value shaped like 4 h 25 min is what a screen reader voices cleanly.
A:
9 h 17 min
